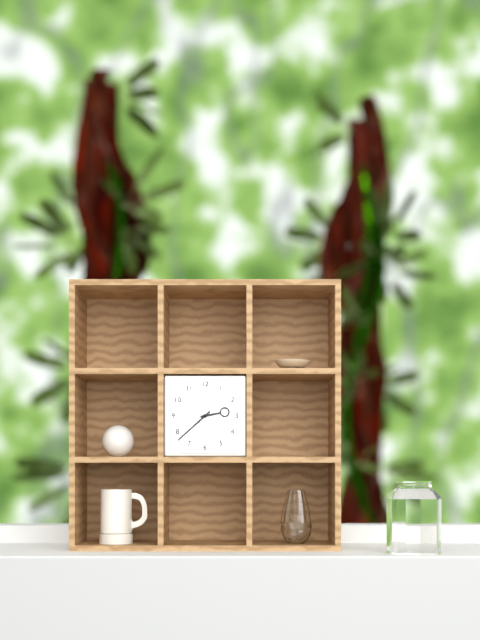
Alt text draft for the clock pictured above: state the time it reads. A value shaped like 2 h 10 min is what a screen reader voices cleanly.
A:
2 h 38 min
